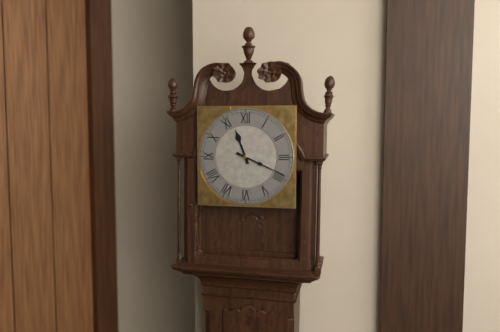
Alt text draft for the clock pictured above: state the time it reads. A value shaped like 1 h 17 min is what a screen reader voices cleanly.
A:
11 h 19 min
